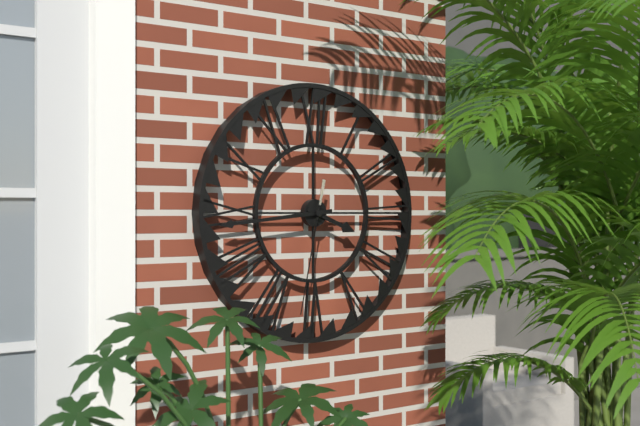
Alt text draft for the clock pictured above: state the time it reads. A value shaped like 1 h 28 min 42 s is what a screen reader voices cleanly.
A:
3 h 44 min 32 s
